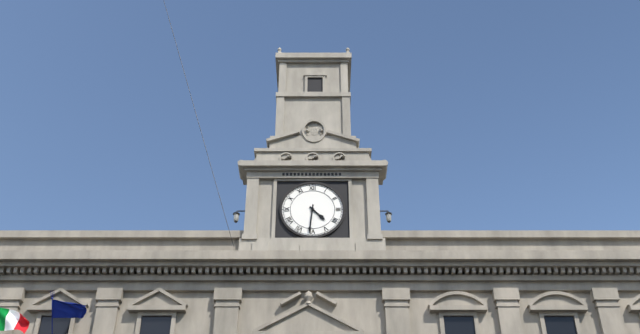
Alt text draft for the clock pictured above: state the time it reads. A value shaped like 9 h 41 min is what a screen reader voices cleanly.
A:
4 h 31 min
